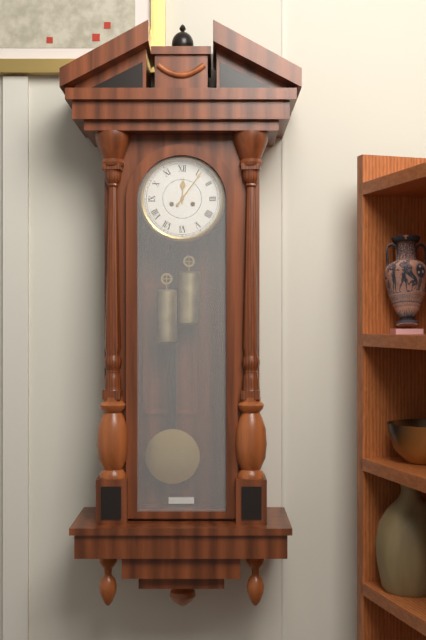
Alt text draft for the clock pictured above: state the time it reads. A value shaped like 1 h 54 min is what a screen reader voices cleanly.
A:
12 h 06 min
